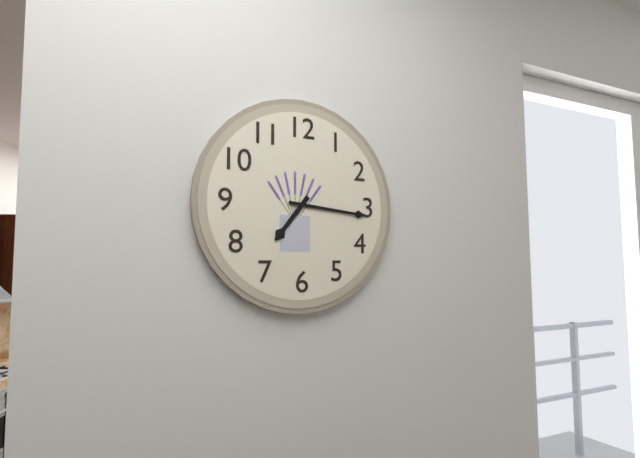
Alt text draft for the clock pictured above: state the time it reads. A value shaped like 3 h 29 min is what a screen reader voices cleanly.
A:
7 h 16 min
